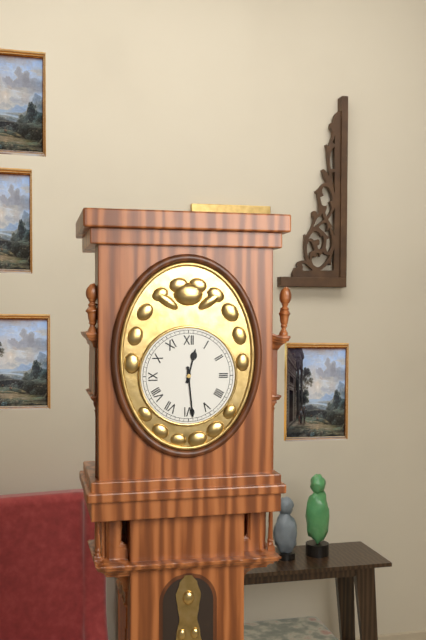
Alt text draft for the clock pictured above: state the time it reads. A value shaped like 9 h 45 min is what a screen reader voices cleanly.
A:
12 h 29 min
